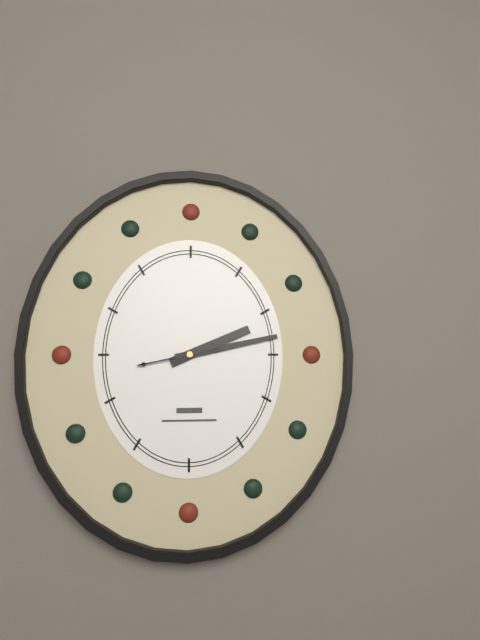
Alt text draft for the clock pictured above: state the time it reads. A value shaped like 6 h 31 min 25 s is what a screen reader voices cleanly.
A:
2 h 13 min 43 s
